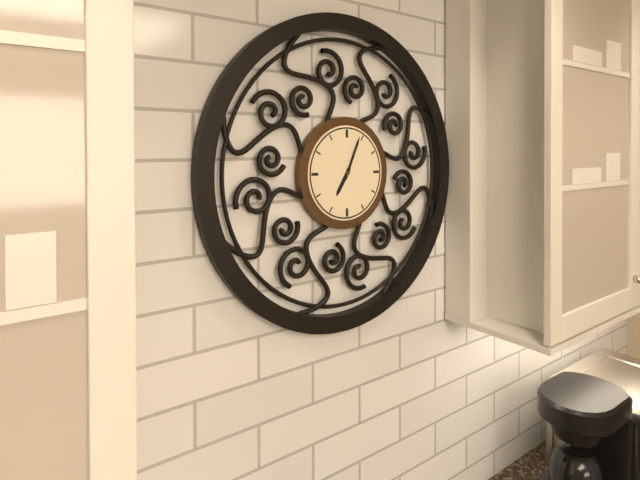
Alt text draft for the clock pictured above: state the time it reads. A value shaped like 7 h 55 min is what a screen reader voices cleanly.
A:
7 h 04 min
